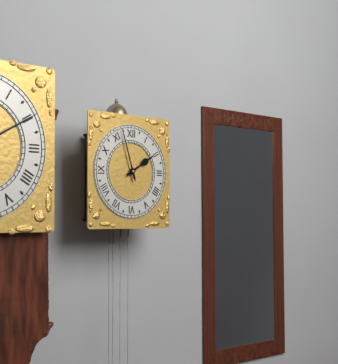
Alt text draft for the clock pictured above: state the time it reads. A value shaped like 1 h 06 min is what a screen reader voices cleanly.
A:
1 h 57 min
